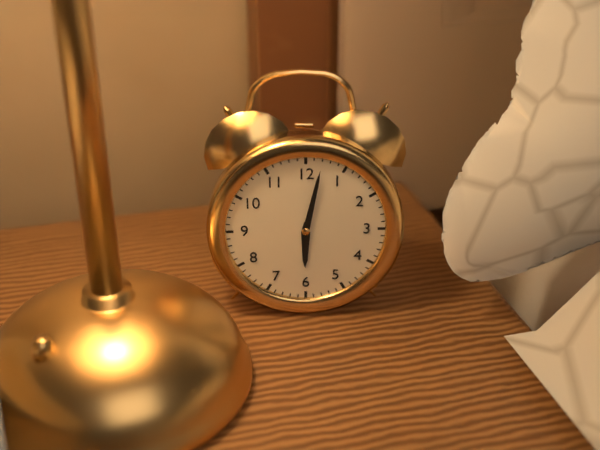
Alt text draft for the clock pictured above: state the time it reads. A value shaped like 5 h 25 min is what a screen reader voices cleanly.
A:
6 h 02 min
